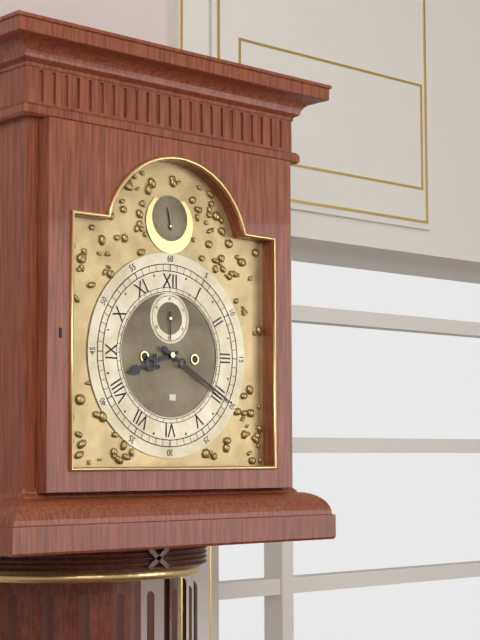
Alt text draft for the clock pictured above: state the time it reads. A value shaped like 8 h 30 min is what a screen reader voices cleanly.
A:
8 h 20 min
